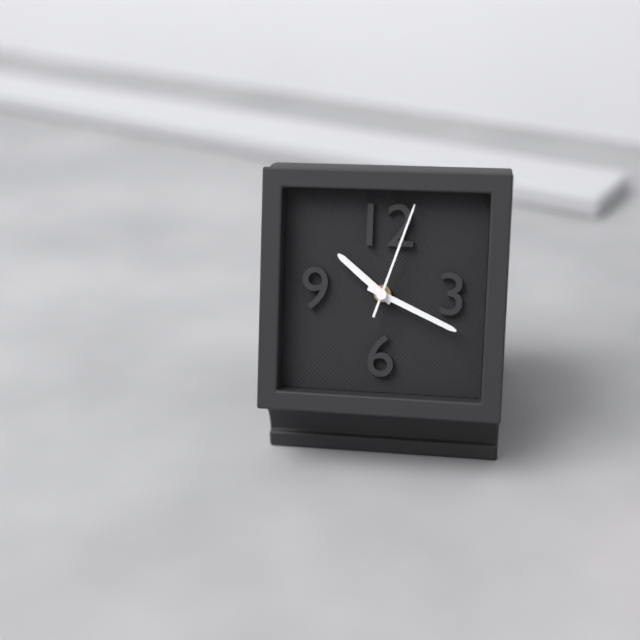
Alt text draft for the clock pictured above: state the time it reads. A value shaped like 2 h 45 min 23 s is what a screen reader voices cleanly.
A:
10 h 19 min 03 s
